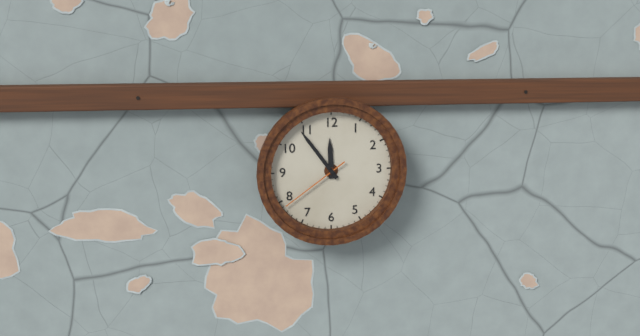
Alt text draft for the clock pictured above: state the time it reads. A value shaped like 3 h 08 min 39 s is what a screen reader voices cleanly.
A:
11 h 54 min 39 s
